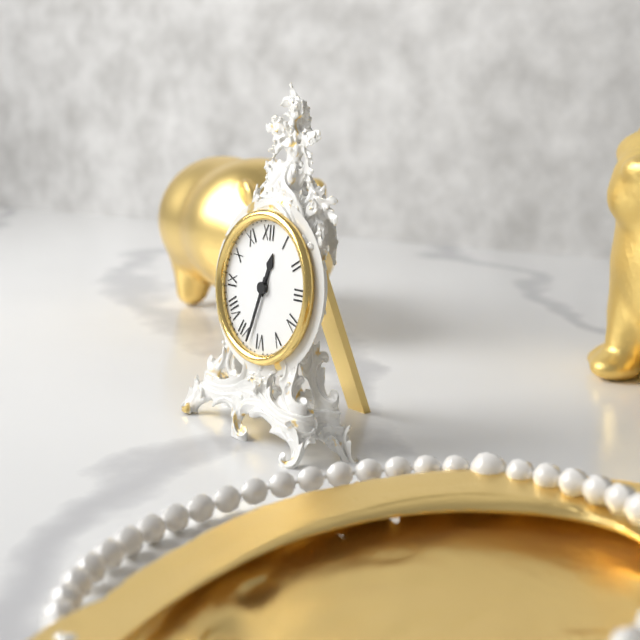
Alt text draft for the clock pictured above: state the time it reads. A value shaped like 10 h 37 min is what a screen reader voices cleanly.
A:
12 h 33 min
